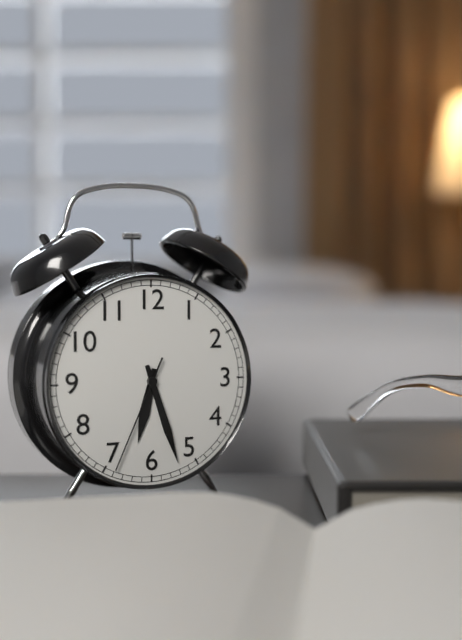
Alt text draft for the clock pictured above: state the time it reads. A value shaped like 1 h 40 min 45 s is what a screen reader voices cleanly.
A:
6 h 27 min 34 s
